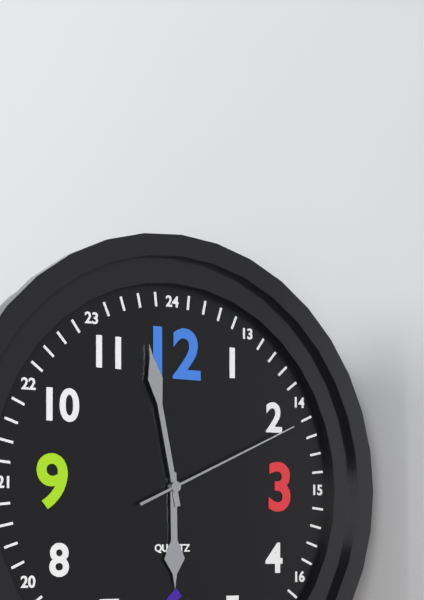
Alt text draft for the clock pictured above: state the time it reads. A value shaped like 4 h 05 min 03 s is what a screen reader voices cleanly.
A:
5 h 58 min 11 s
